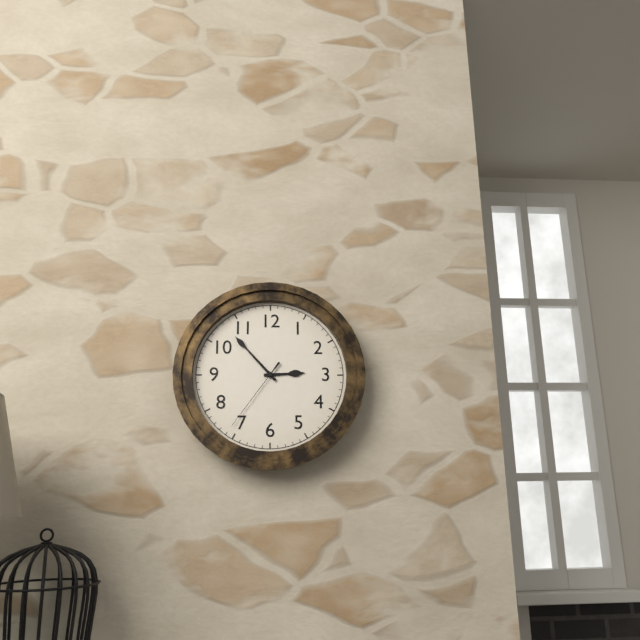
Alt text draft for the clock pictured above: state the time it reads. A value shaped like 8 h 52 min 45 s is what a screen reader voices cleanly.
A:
2 h 53 min 36 s
